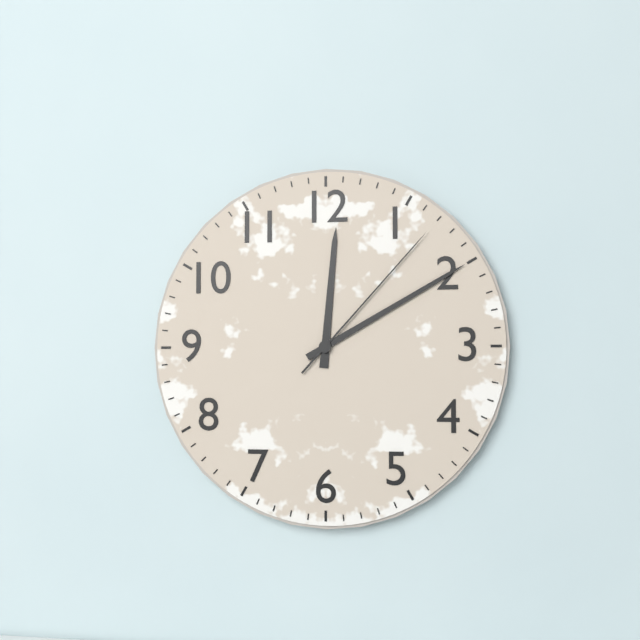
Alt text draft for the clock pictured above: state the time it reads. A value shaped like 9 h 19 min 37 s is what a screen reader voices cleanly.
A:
12 h 10 min 07 s
